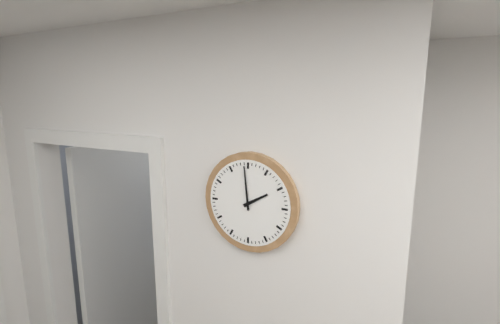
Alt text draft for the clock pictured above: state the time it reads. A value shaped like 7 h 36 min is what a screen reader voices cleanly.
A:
1 h 59 min
